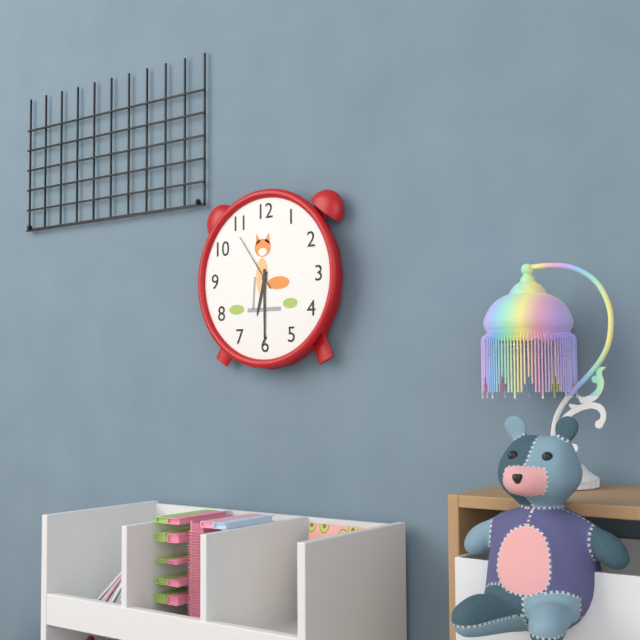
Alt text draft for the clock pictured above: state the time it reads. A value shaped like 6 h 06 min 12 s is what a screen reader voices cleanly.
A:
6 h 30 min 54 s
